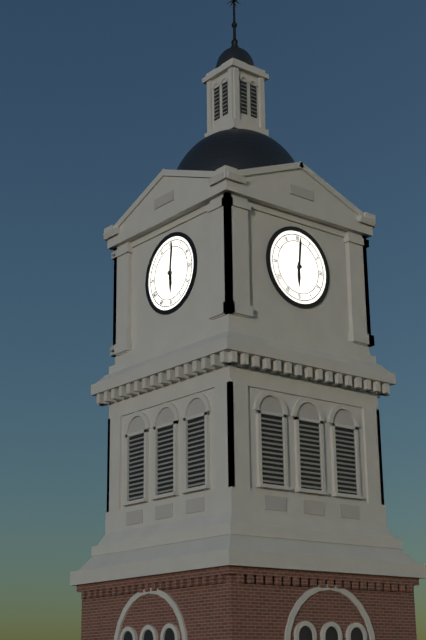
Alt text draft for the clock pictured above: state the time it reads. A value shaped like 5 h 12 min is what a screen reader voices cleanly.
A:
6 h 01 min
